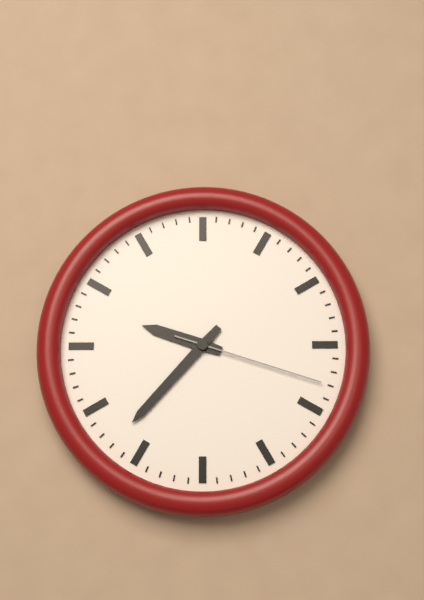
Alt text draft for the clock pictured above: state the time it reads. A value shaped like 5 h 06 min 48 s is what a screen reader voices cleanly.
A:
9 h 37 min 18 s
